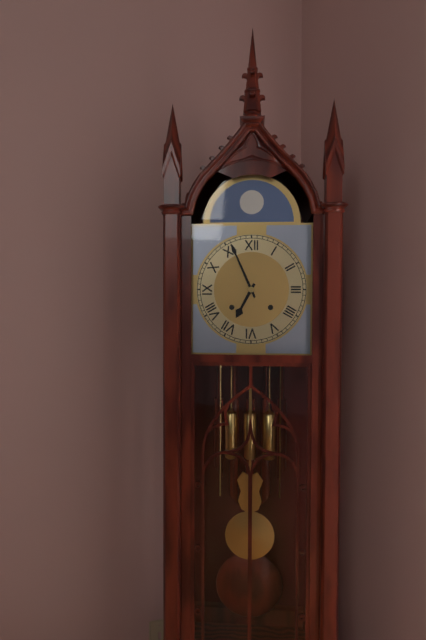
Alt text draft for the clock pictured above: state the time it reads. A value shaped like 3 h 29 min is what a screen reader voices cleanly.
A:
6 h 56 min
